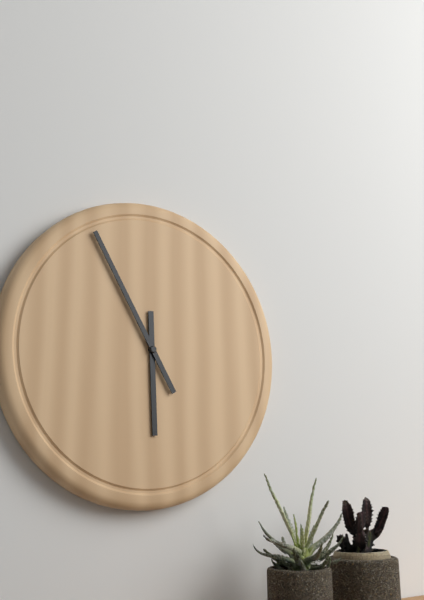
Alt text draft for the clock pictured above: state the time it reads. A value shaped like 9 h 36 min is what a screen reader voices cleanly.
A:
5 h 55 min
